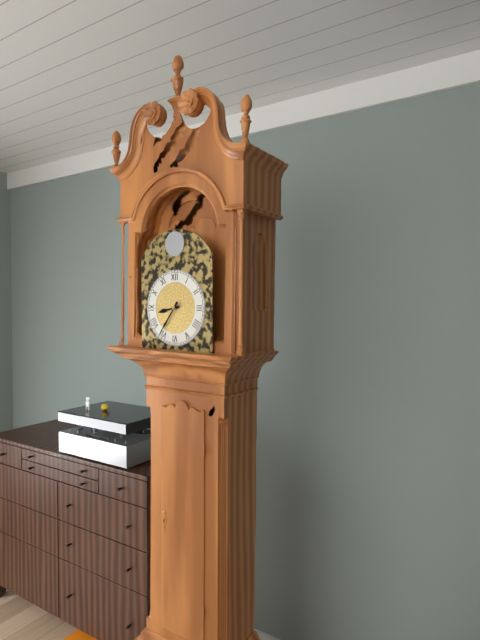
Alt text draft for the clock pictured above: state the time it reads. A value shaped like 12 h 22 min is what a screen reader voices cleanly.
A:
8 h 36 min
